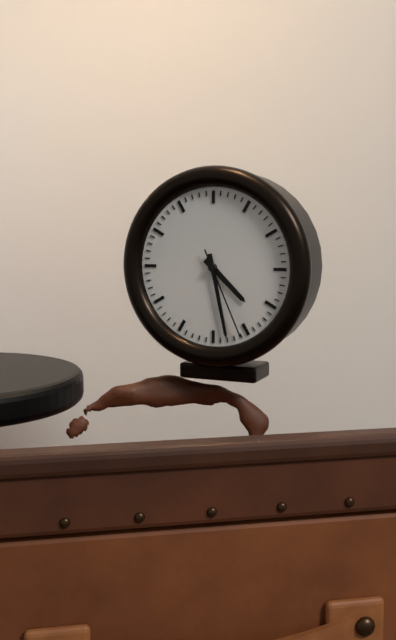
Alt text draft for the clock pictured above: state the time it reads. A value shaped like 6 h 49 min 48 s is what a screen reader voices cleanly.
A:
4 h 28 min 26 s
